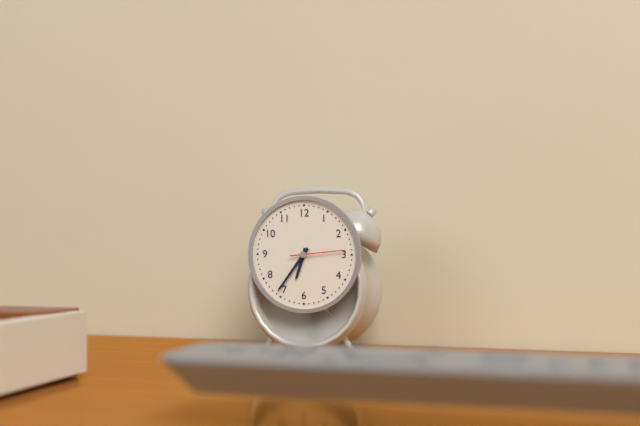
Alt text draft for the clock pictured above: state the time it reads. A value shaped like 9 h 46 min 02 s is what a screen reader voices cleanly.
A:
6 h 36 min 14 s
